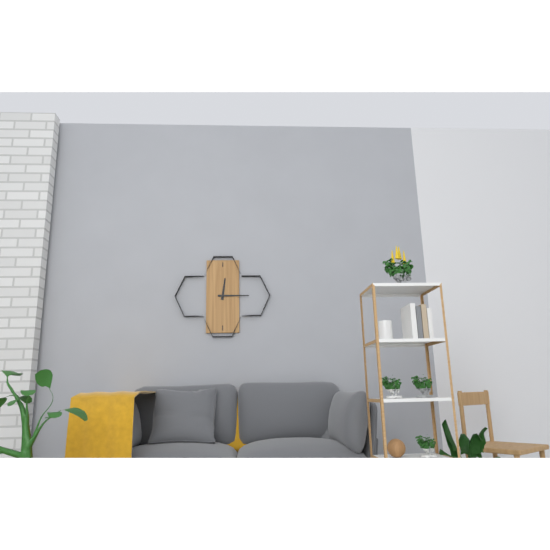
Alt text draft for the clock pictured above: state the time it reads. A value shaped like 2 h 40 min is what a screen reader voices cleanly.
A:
12 h 15 min
